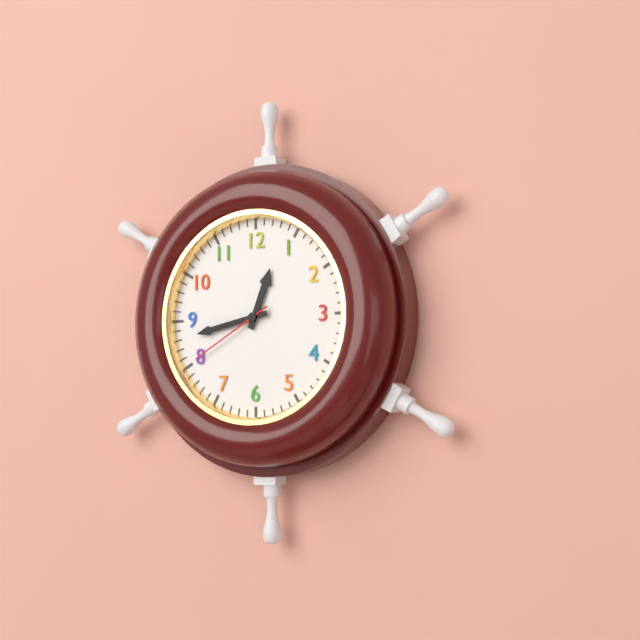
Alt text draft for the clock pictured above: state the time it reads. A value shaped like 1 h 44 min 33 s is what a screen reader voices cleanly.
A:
12 h 43 min 40 s
